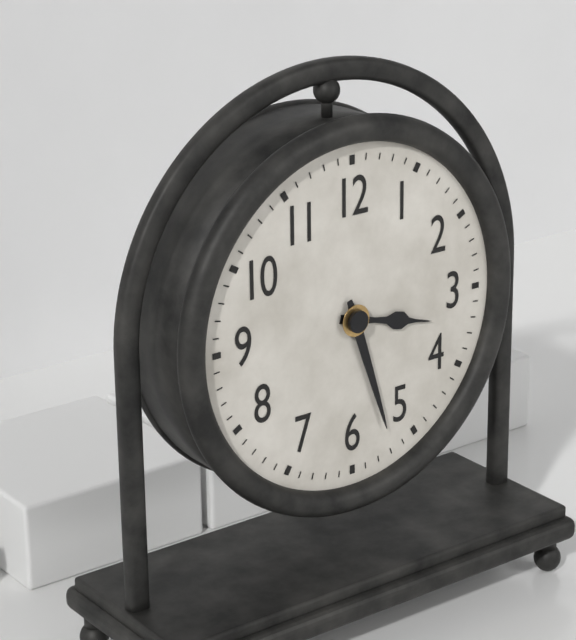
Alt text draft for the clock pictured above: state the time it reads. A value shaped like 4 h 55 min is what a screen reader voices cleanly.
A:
3 h 27 min
